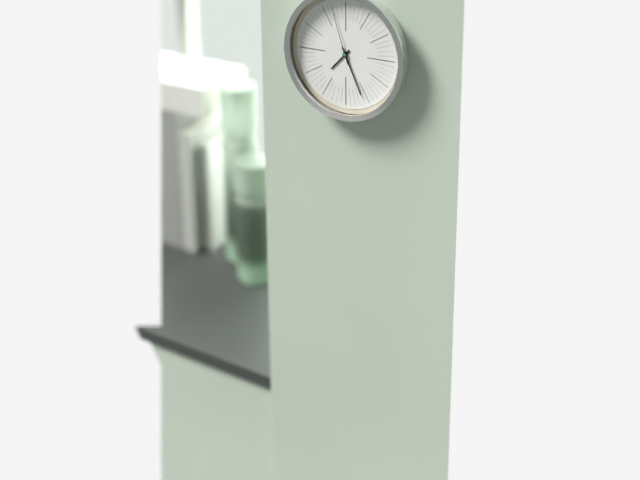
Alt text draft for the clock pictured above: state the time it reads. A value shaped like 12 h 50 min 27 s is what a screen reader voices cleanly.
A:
7 h 26 min 57 s
